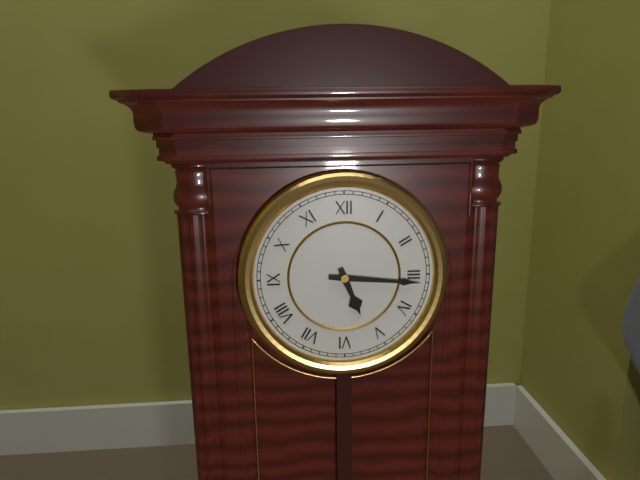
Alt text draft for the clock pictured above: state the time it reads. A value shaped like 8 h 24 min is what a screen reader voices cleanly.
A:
5 h 16 min
